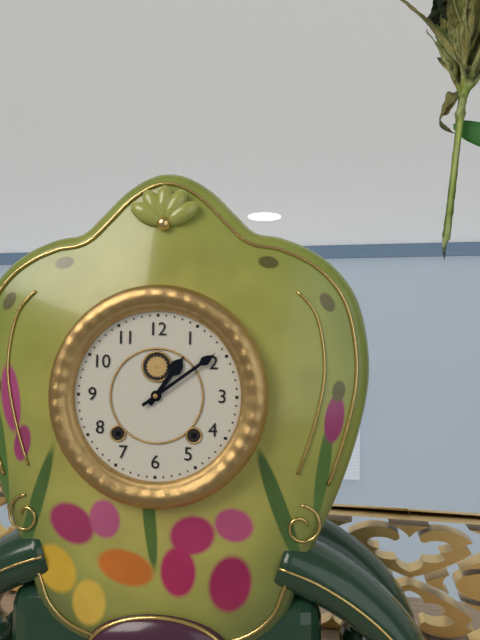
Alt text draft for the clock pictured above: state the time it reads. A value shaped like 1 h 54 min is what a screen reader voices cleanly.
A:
1 h 09 min
